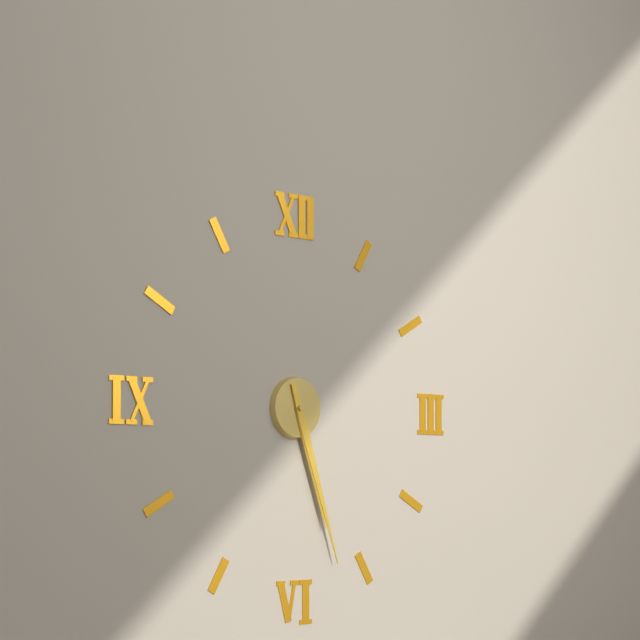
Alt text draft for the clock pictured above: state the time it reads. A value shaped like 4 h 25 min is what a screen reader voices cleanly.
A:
5 h 27 min
